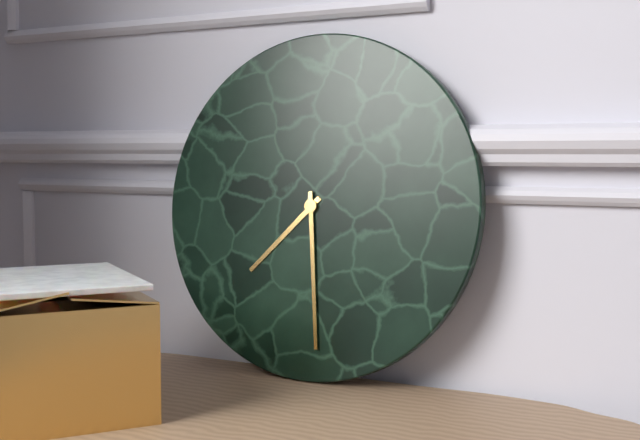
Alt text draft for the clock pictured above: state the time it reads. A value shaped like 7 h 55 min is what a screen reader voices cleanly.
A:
7 h 29 min
